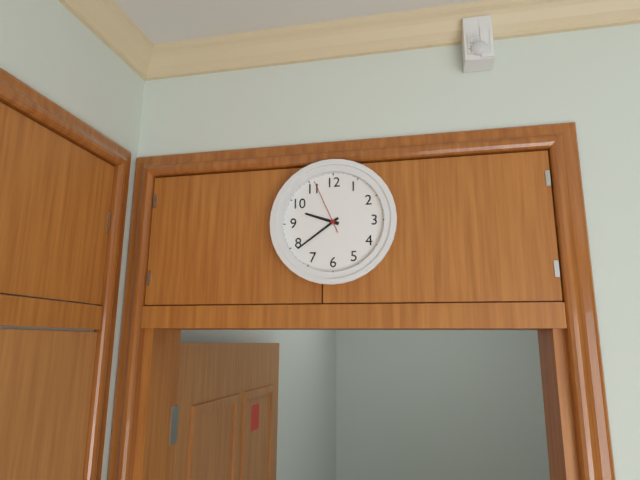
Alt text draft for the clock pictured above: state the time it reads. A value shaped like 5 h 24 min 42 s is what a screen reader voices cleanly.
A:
9 h 39 min 56 s
